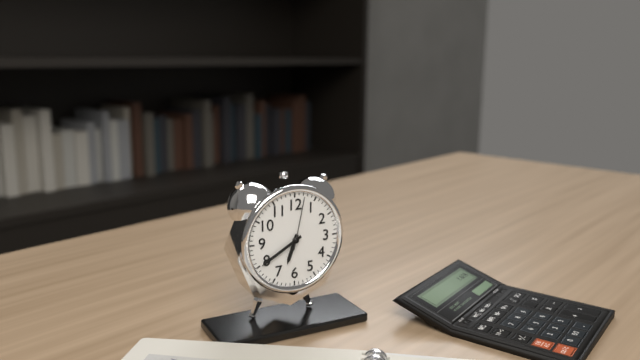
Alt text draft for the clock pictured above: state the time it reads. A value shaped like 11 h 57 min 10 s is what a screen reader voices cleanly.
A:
6 h 40 min 02 s
